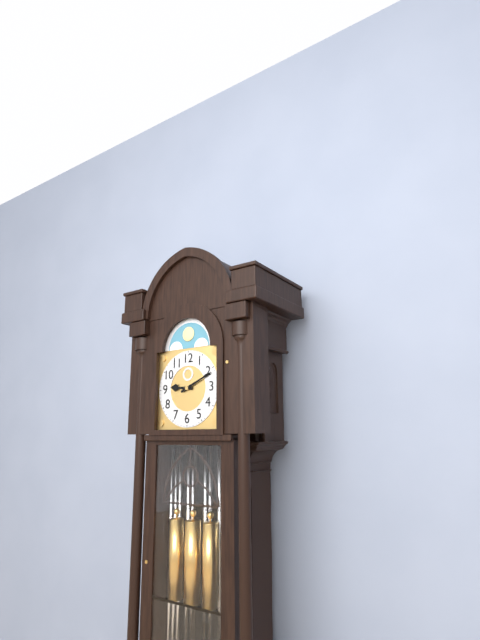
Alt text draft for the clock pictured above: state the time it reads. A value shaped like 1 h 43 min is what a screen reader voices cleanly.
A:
9 h 11 min
